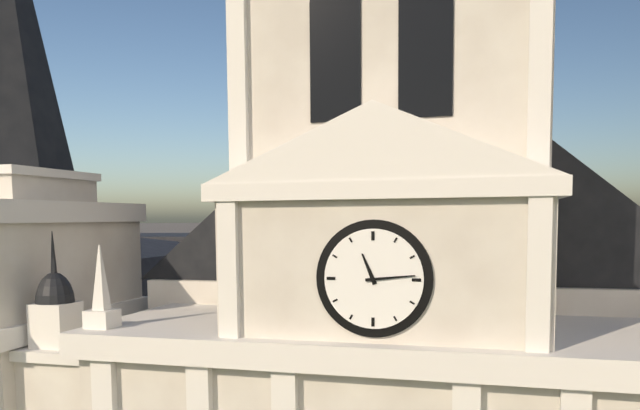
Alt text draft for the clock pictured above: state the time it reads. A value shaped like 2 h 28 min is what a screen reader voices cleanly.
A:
11 h 14 min
